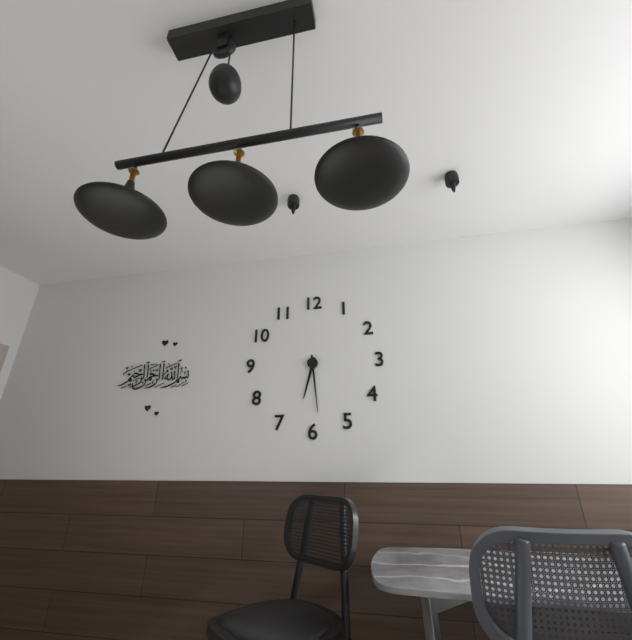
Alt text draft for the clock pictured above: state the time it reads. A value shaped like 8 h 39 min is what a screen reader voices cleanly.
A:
6 h 29 min
